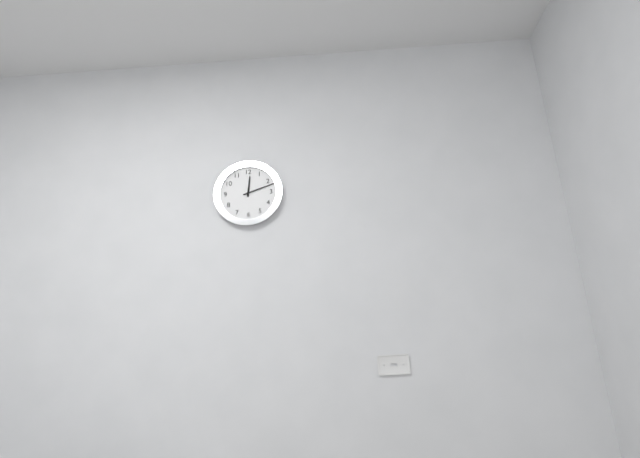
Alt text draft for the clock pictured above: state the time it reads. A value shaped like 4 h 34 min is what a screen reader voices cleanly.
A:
12 h 12 min
